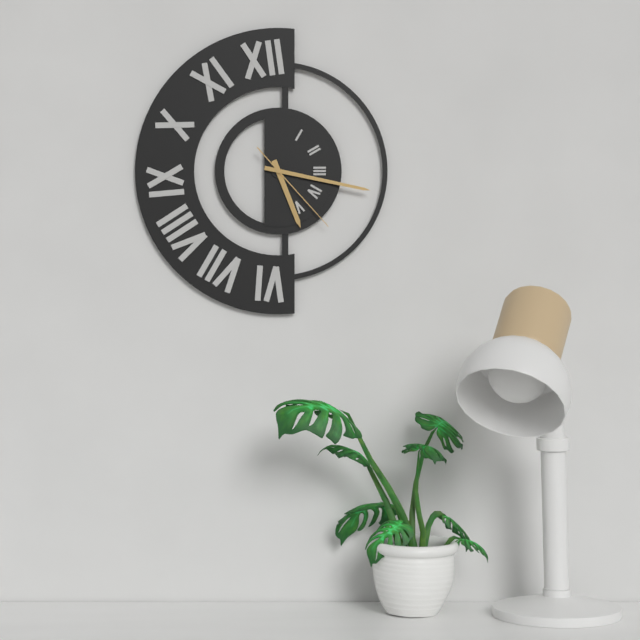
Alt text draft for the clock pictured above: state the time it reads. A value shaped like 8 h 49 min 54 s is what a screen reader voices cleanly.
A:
5 h 17 min 23 s
